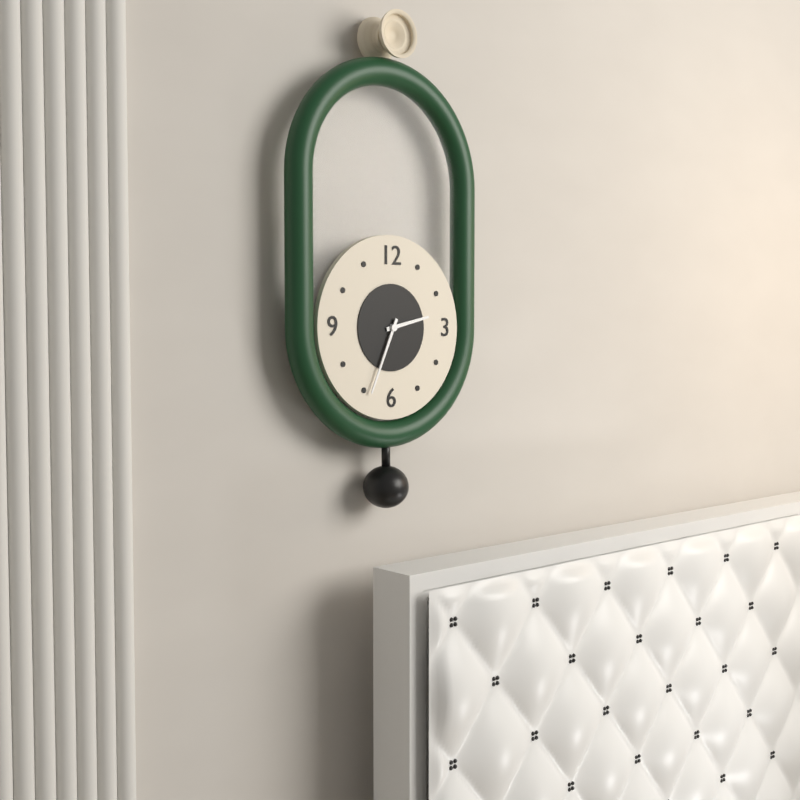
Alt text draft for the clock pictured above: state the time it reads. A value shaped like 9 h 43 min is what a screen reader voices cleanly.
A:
2 h 34 min
